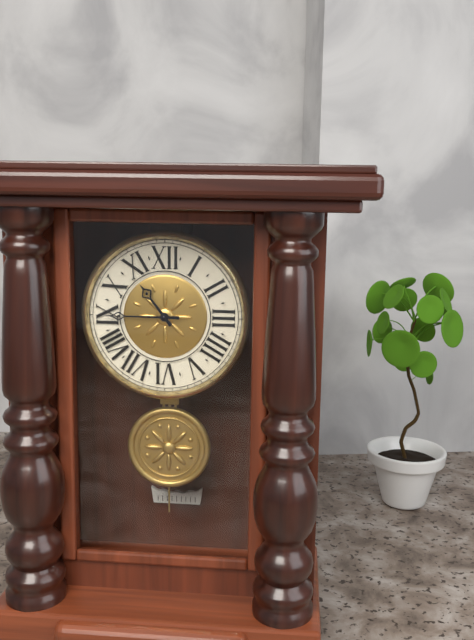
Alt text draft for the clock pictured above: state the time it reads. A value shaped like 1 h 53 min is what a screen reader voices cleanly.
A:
10 h 45 min
